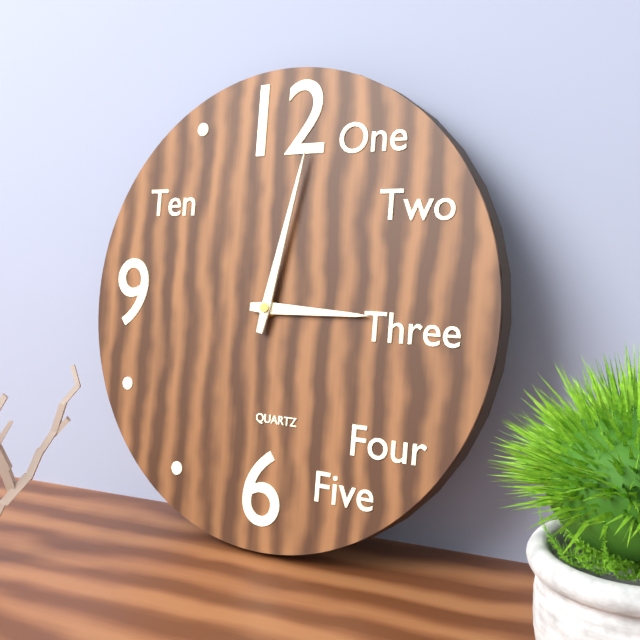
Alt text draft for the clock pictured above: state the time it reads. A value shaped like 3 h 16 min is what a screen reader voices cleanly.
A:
3 h 02 min
